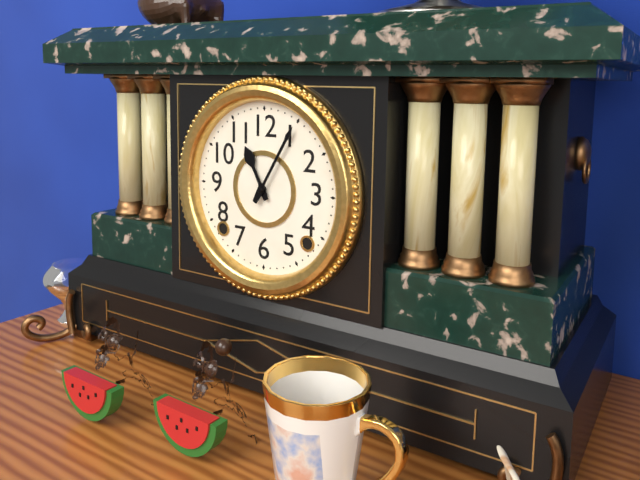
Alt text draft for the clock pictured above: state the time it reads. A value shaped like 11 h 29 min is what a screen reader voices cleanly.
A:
11 h 05 min
